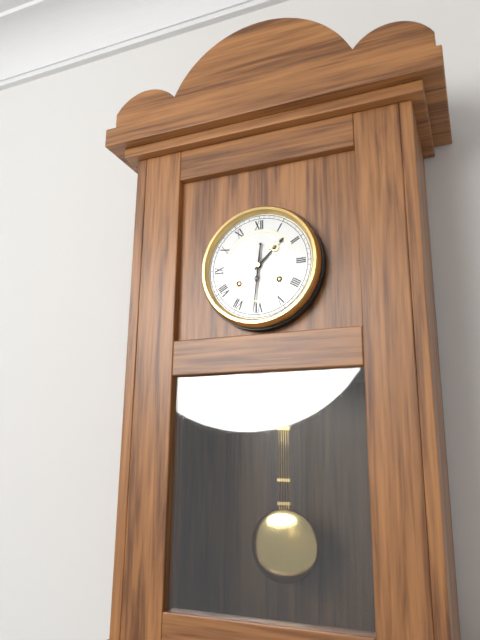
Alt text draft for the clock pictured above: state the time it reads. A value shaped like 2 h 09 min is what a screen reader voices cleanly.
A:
1 h 31 min
